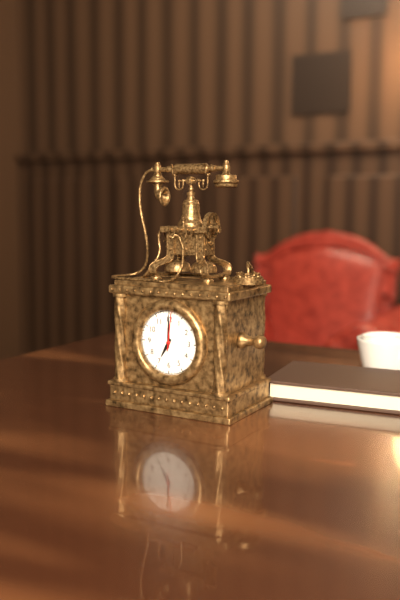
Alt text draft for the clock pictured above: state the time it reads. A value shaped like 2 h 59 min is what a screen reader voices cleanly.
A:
7 h 00 min
